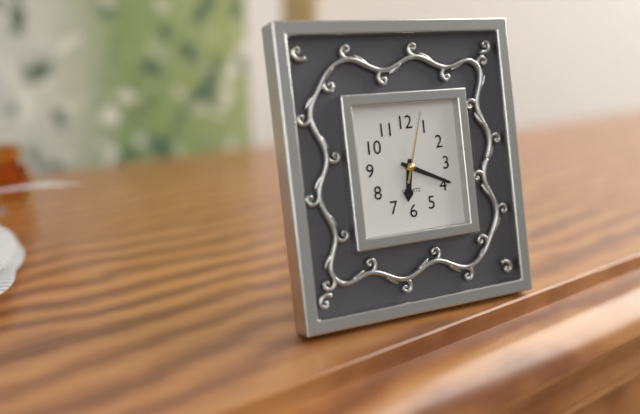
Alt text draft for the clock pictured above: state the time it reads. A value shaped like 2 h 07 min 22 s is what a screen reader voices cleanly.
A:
6 h 19 min 03 s
